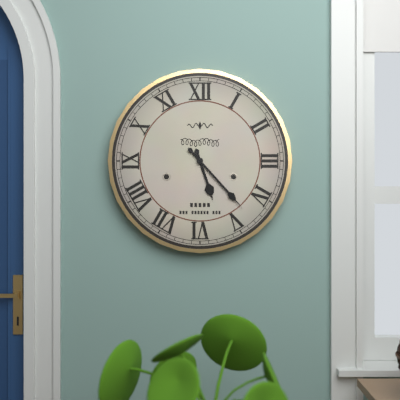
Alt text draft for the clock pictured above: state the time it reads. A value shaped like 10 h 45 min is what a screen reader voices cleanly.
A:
5 h 23 min
